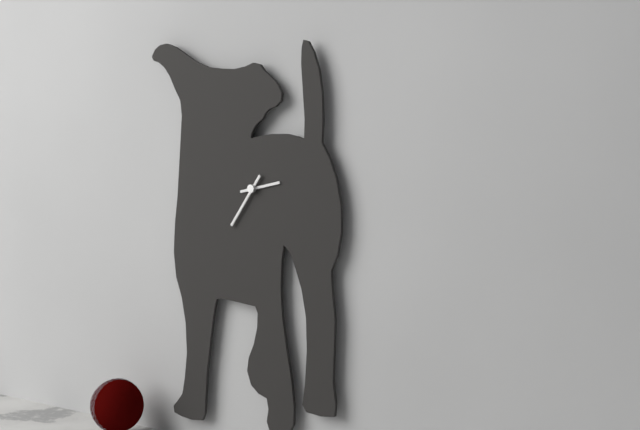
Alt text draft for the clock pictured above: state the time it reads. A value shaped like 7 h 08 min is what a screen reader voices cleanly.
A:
2 h 36 min
